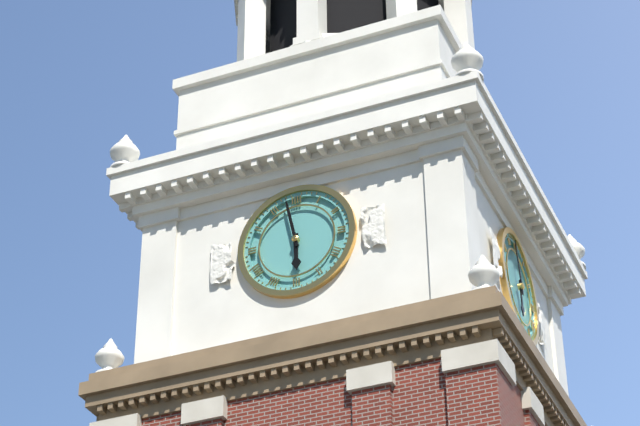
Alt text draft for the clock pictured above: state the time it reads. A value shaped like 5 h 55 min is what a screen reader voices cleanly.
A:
5 h 58 min
